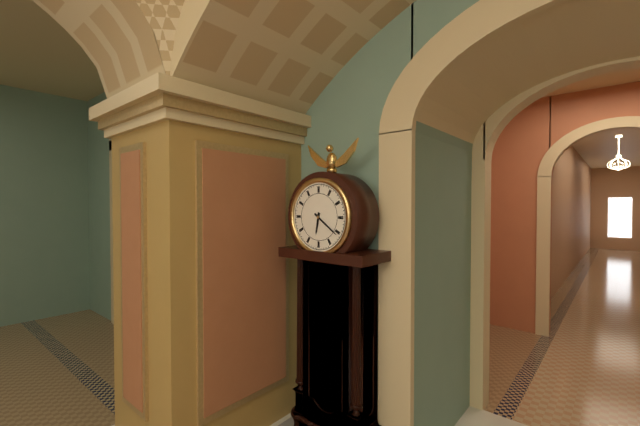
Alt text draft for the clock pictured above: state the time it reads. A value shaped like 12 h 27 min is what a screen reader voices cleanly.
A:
6 h 21 min
